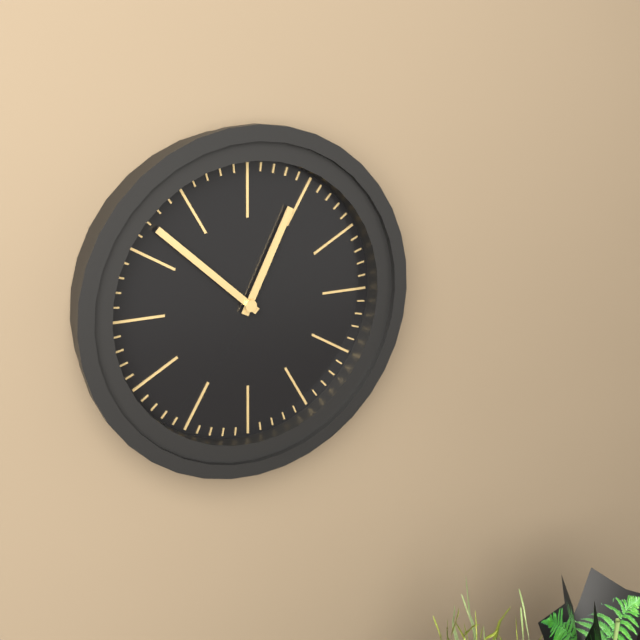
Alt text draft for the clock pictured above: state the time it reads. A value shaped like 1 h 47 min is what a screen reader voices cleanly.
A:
12 h 52 min
